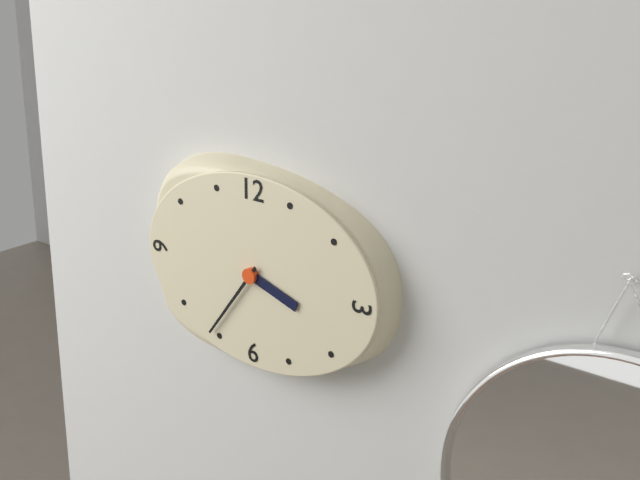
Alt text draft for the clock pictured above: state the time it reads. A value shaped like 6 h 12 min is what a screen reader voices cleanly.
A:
3 h 36 min
